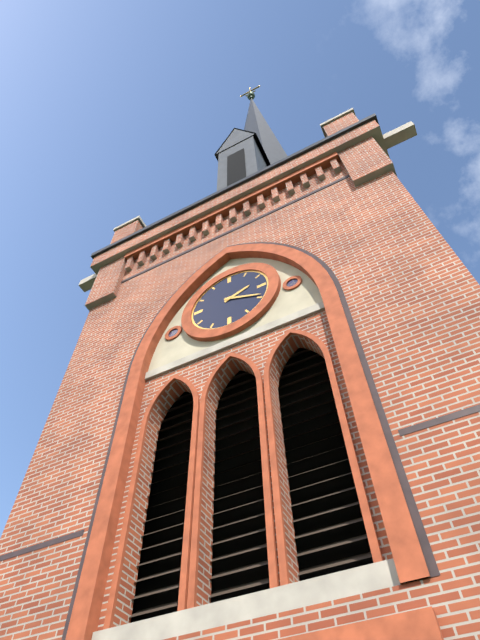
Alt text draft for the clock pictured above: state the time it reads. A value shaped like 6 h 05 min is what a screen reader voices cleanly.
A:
2 h 19 min
